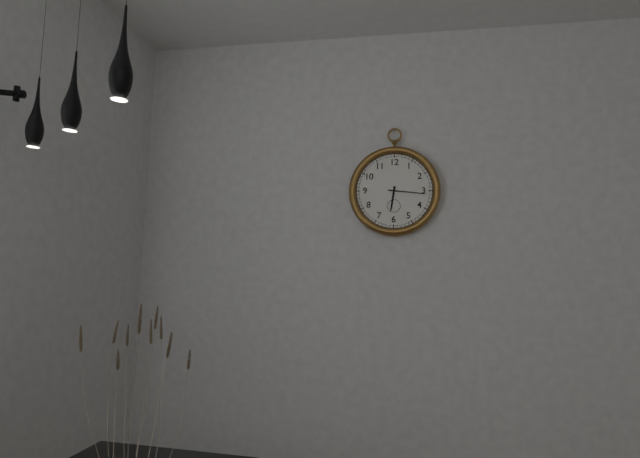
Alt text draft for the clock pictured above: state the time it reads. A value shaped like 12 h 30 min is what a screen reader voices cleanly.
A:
6 h 16 min
